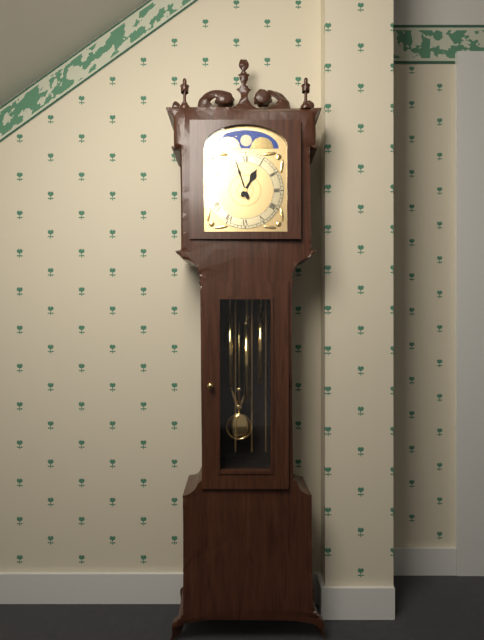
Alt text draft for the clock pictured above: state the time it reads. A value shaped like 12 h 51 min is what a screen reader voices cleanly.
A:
12 h 57 min
